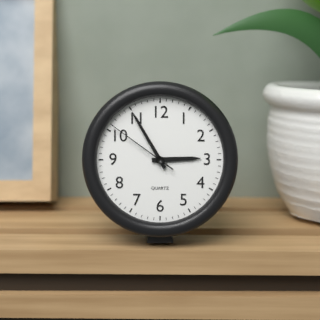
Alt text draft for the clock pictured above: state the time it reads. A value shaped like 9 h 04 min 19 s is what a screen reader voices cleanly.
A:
2 h 55 min 51 s
